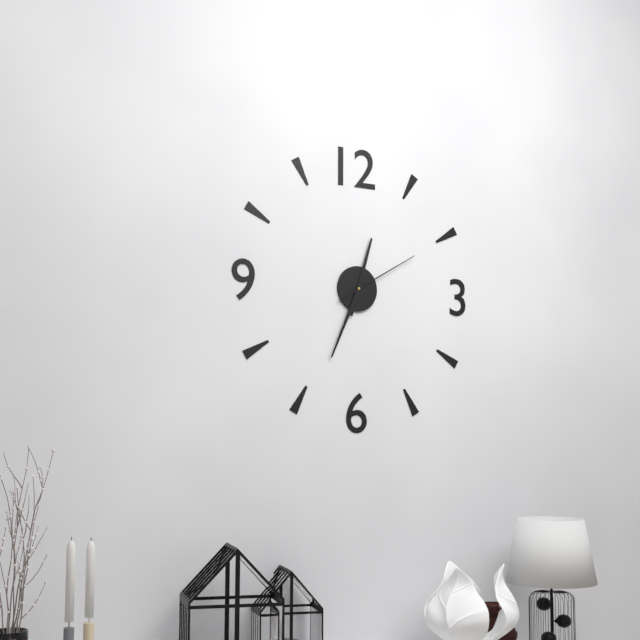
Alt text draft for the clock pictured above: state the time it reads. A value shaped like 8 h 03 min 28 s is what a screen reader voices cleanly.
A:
12 h 34 min 10 s
